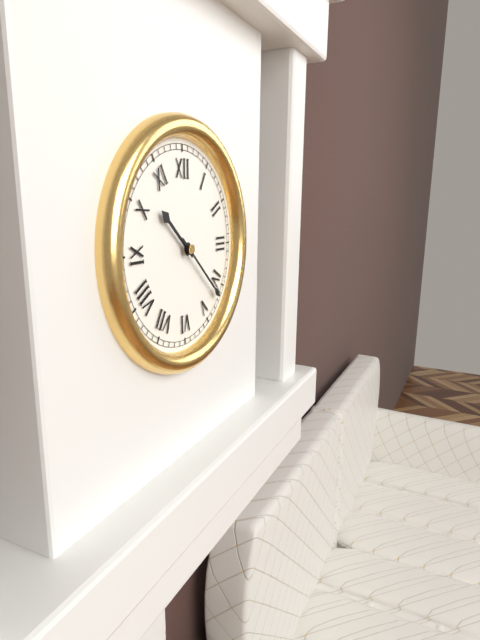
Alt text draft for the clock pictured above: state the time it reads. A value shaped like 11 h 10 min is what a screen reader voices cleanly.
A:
10 h 22 min
